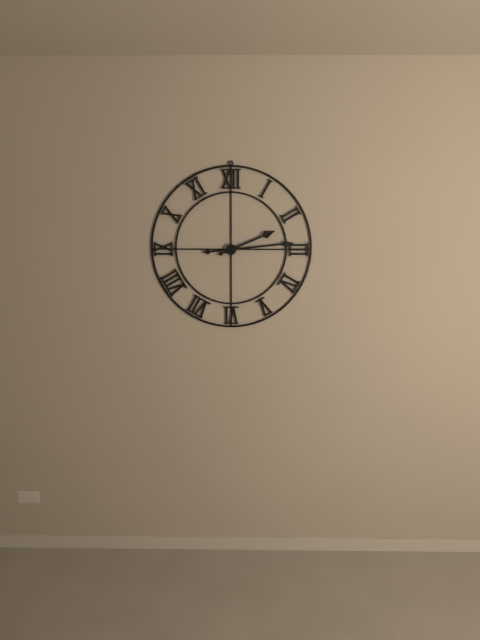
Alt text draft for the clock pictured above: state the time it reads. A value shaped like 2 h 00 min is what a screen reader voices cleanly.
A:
2 h 14 min
